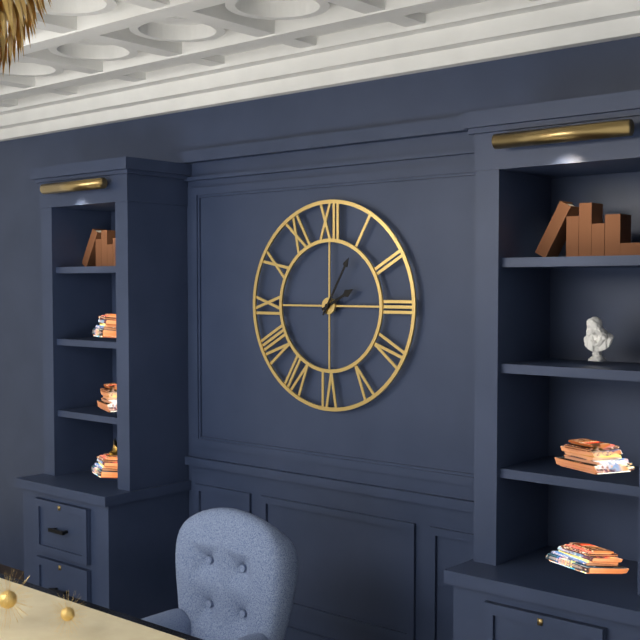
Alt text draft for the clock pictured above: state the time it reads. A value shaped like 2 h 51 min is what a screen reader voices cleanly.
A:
2 h 05 min
